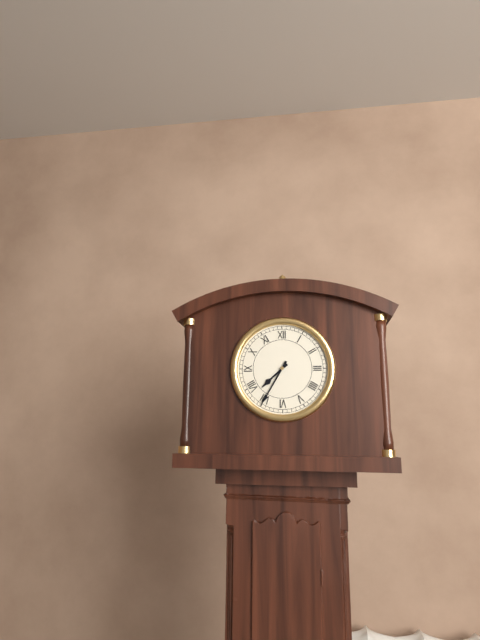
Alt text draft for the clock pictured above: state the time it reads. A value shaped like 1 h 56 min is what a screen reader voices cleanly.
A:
7 h 35 min
